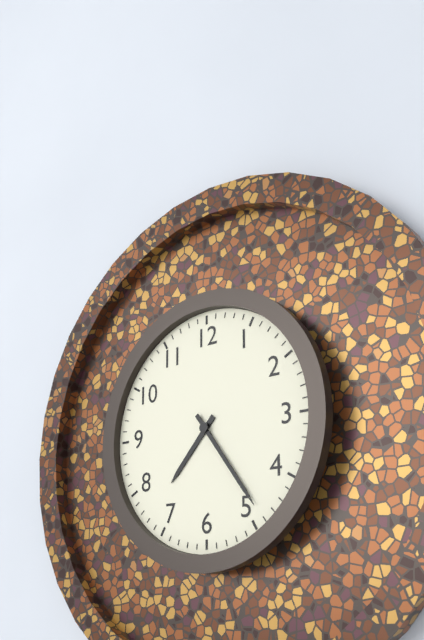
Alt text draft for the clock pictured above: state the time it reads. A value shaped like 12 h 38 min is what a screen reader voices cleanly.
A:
7 h 24 min
